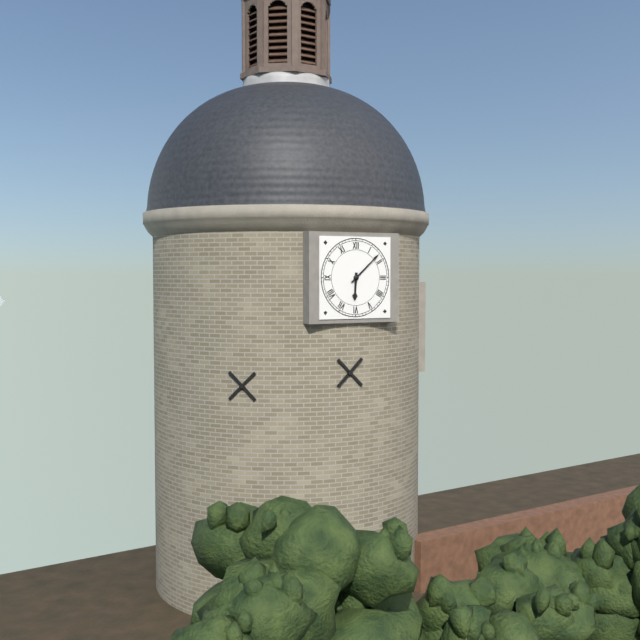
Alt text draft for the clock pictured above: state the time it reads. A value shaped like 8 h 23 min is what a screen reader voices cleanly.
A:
6 h 08 min
